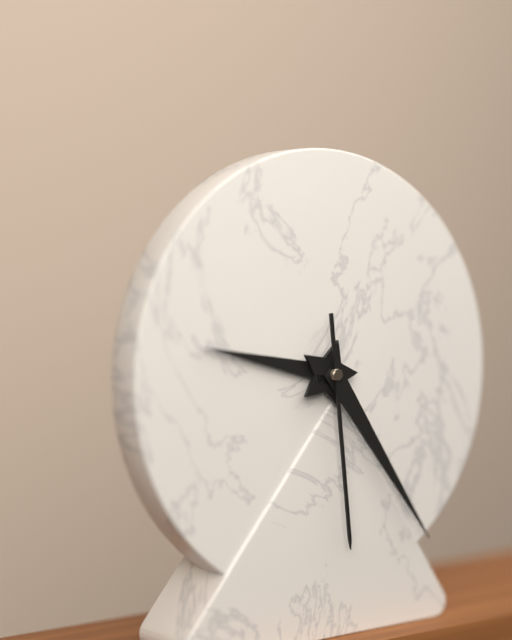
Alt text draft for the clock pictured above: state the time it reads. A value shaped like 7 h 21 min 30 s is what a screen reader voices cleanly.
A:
9 h 24 min 29 s
